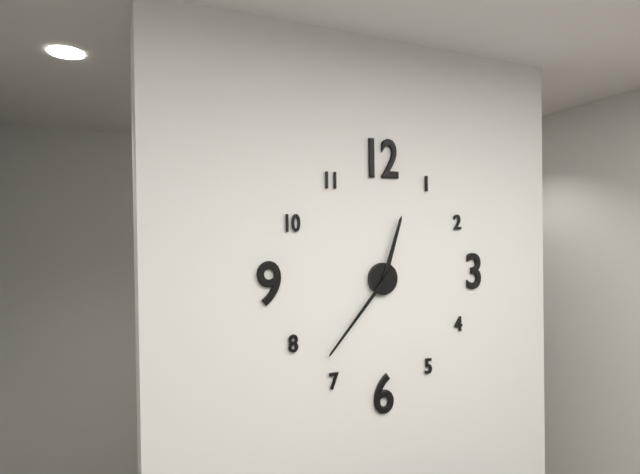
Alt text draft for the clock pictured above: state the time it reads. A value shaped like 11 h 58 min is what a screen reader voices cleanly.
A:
12 h 37 min
